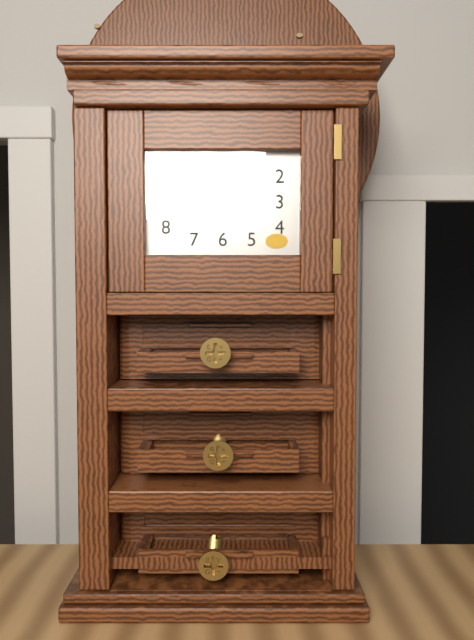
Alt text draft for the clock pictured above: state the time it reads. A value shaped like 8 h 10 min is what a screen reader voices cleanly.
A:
3 h 02 min
